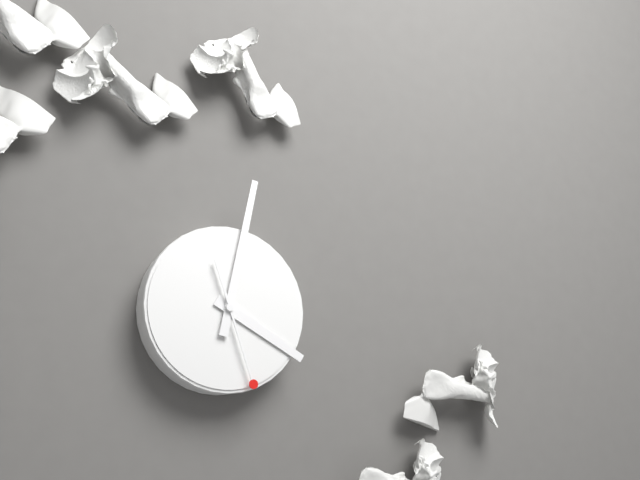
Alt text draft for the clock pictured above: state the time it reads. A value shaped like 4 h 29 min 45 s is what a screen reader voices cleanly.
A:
4 h 02 min 27 s
